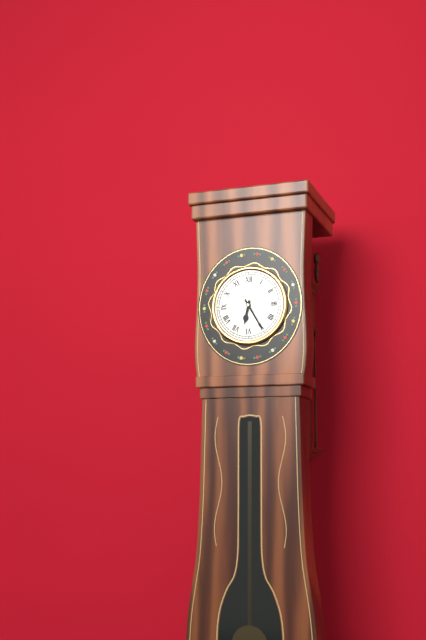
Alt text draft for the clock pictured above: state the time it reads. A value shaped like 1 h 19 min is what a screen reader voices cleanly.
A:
6 h 25 min
